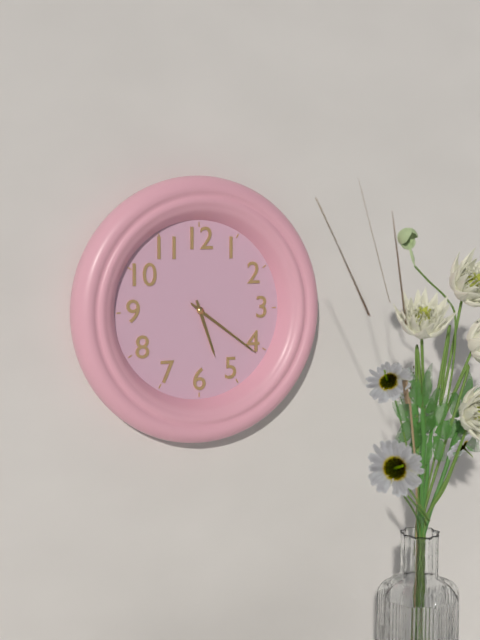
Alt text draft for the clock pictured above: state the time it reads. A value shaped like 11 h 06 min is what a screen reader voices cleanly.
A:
5 h 21 min
